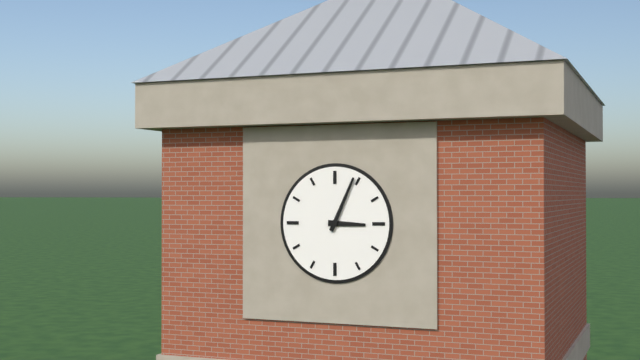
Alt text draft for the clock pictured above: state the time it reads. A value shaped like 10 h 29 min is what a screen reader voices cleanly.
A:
3 h 04 min
